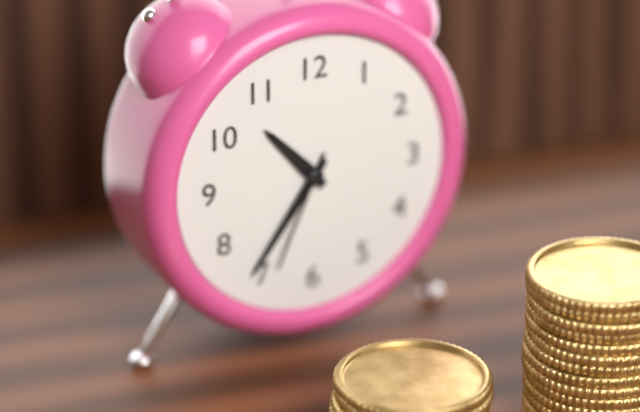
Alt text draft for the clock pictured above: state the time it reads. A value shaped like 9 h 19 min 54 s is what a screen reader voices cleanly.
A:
10 h 36 min 34 s
